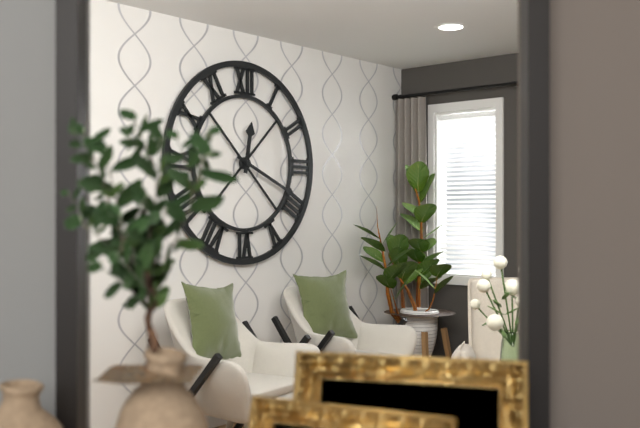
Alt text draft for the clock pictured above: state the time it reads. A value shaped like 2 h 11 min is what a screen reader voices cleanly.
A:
12 h 19 min
